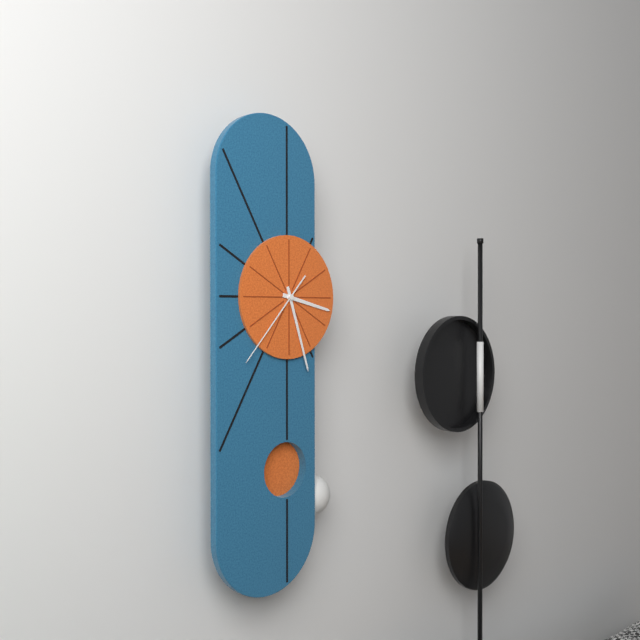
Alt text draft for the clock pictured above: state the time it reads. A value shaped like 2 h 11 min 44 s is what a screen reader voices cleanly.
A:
3 h 27 min 37 s
